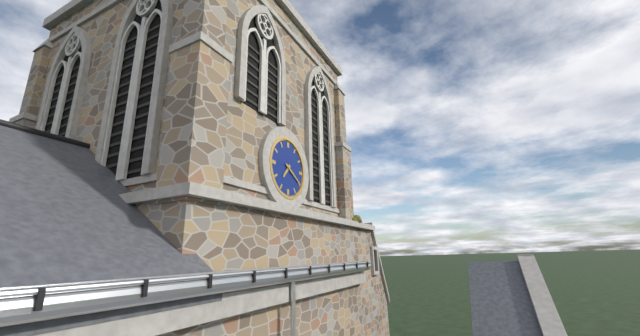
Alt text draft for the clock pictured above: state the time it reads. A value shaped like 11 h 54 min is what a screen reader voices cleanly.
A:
7 h 20 min
